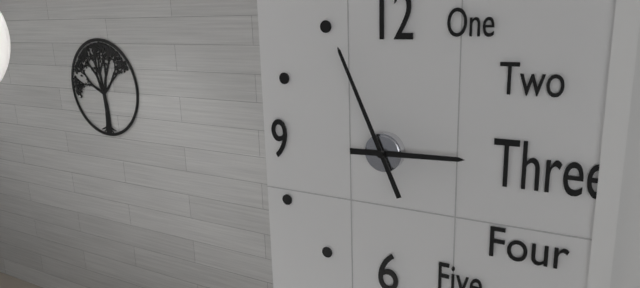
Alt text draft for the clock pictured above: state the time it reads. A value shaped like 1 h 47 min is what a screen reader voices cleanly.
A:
2 h 56 min
